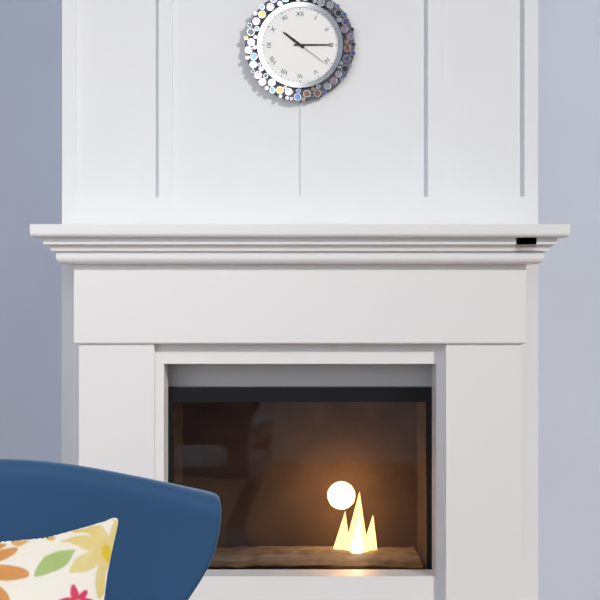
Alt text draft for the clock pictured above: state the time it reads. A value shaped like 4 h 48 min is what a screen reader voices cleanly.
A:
10 h 15 min
